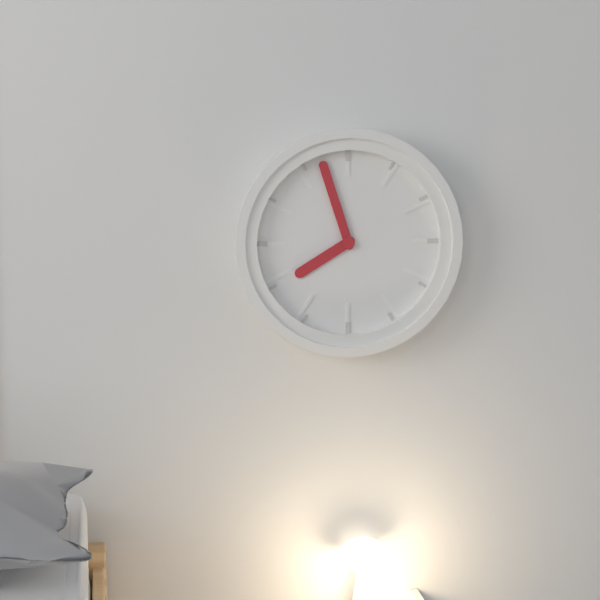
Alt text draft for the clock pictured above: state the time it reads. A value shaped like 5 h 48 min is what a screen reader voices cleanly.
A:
7 h 57 min
